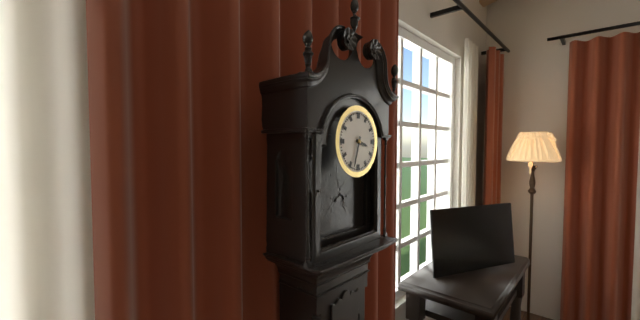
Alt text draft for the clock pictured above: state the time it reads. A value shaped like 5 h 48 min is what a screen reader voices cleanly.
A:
3 h 33 min
